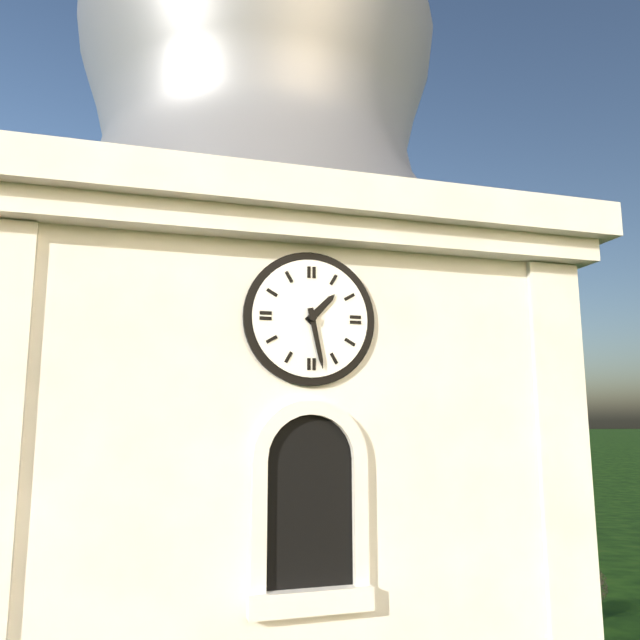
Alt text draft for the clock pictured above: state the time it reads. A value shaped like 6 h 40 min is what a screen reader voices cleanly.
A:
1 h 28 min
